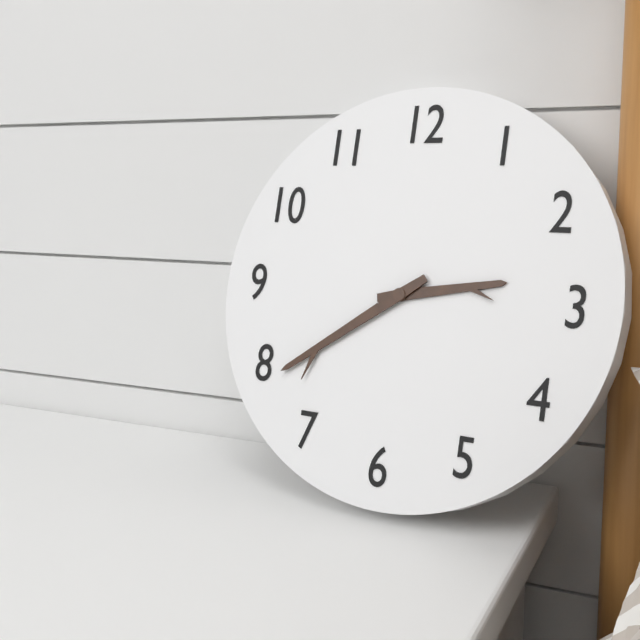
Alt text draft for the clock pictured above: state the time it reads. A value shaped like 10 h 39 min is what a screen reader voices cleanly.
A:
2 h 39 min
